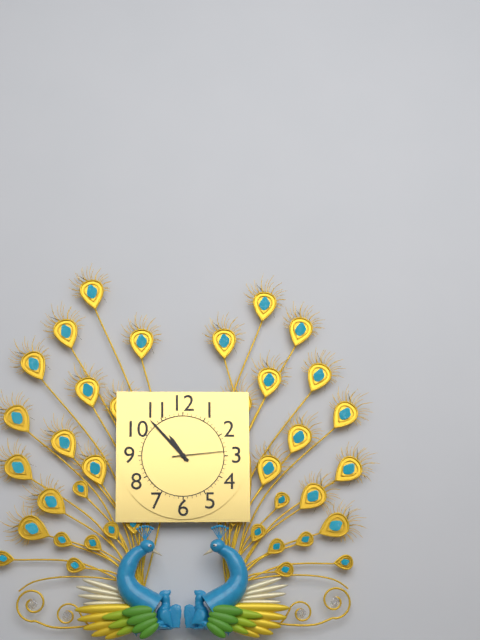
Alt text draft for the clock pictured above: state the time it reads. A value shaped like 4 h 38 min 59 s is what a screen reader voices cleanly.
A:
10 h 53 min 14 s
